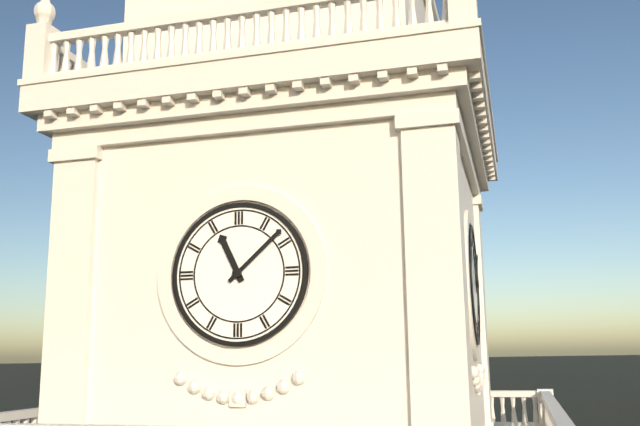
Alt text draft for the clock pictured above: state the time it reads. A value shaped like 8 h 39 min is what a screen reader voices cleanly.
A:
11 h 08 min
